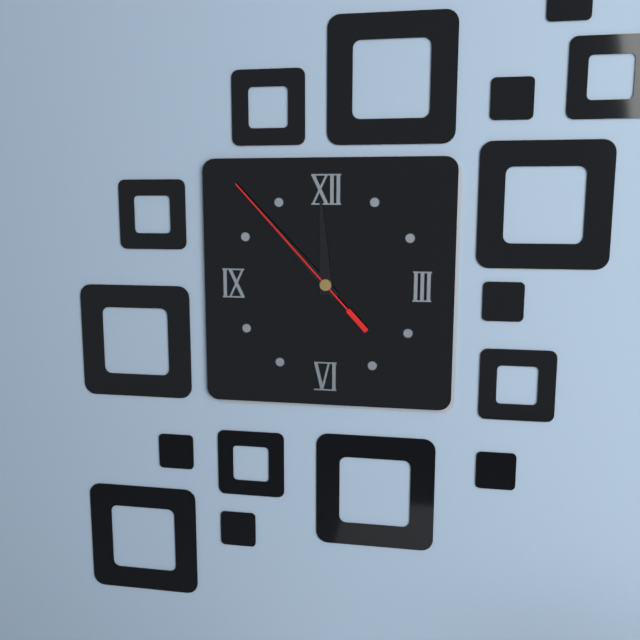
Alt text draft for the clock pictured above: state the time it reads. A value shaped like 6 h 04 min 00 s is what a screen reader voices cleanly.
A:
11 h 53 min 53 s
